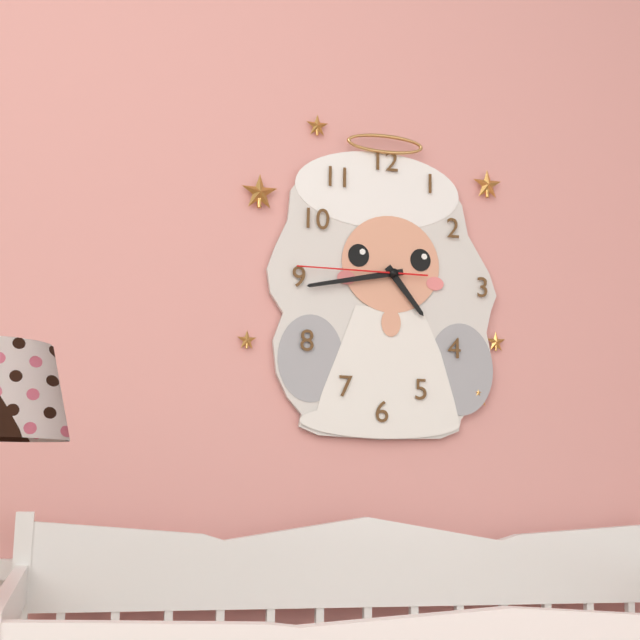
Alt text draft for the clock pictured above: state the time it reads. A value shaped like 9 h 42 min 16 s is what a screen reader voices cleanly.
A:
4 h 43 min 45 s
